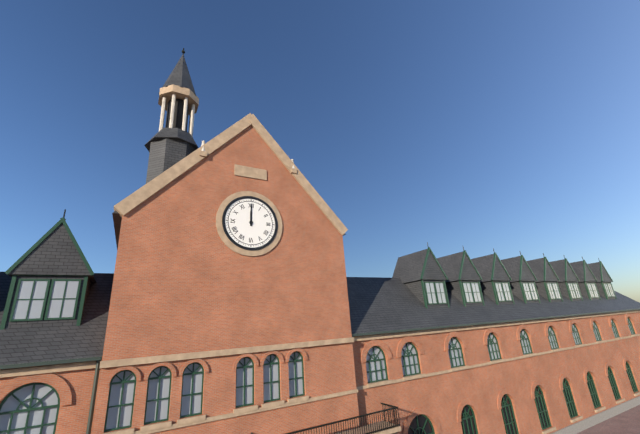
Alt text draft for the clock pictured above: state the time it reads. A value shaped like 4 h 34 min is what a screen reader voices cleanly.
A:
12 h 00 min
